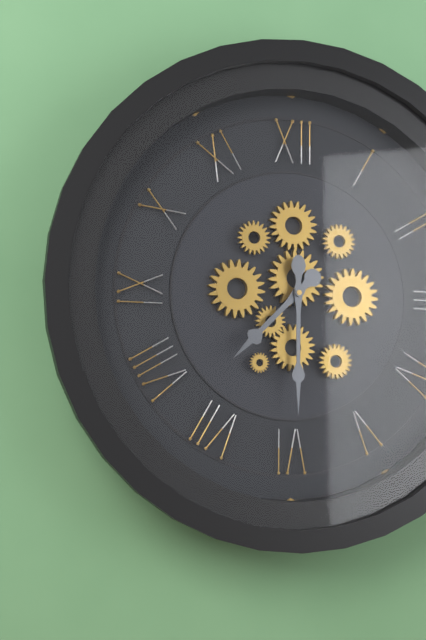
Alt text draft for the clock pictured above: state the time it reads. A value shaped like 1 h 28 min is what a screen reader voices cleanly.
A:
7 h 30 min
